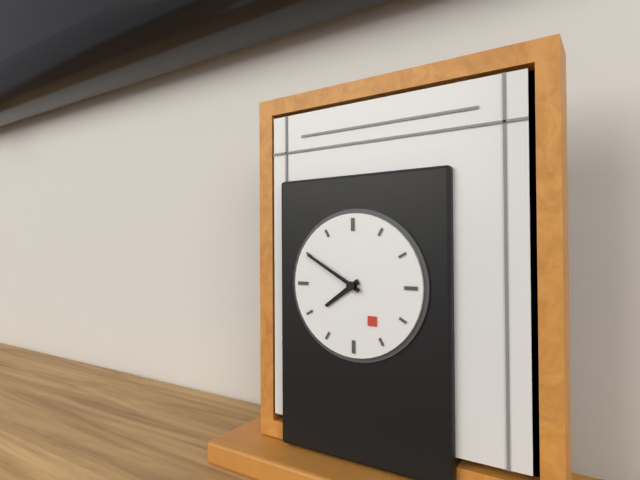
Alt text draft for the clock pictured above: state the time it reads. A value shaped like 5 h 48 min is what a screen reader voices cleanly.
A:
7 h 50 min
